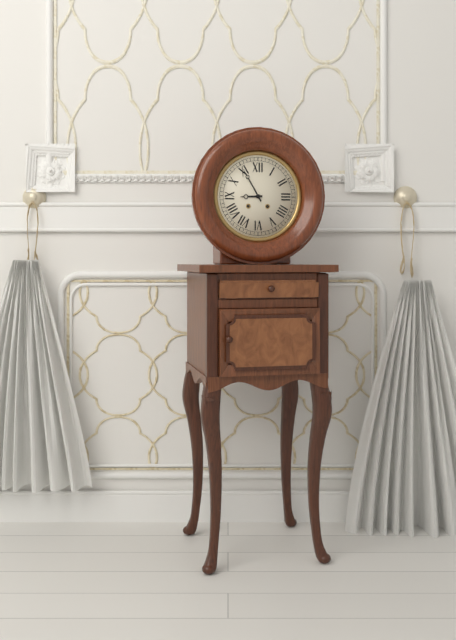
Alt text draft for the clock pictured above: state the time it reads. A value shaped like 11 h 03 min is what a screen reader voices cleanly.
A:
8 h 55 min
